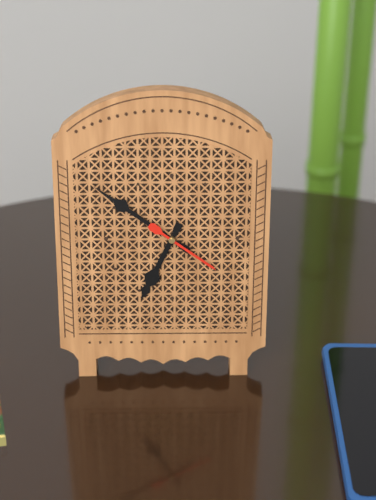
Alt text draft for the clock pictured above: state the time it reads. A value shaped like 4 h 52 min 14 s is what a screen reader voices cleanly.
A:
6 h 51 min 21 s
